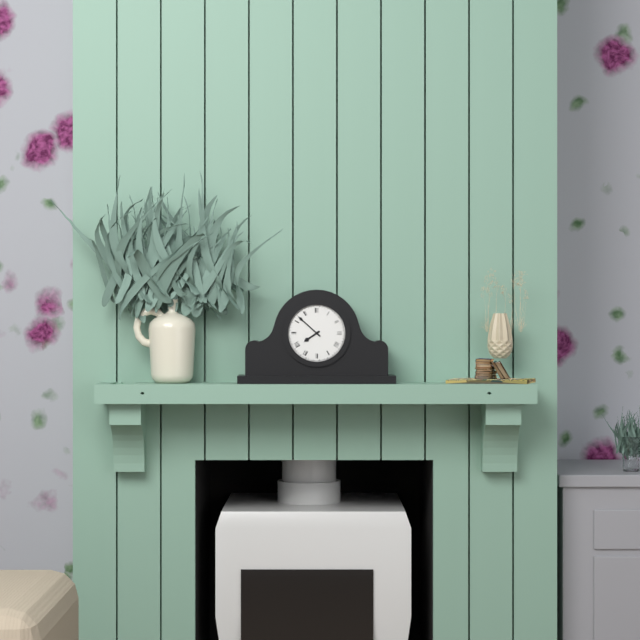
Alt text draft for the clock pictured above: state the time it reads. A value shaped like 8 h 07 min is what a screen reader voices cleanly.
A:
7 h 52 min
